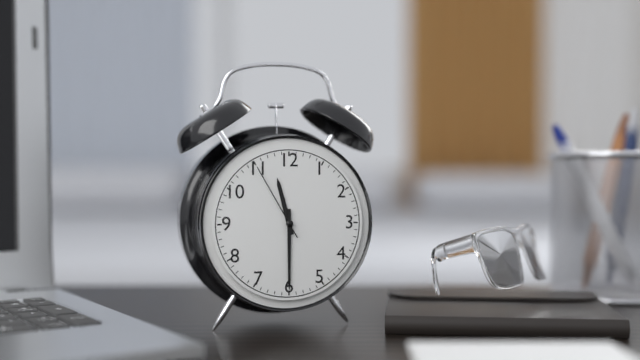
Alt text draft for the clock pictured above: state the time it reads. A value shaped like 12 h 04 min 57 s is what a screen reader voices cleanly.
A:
11 h 30 min 55 s
